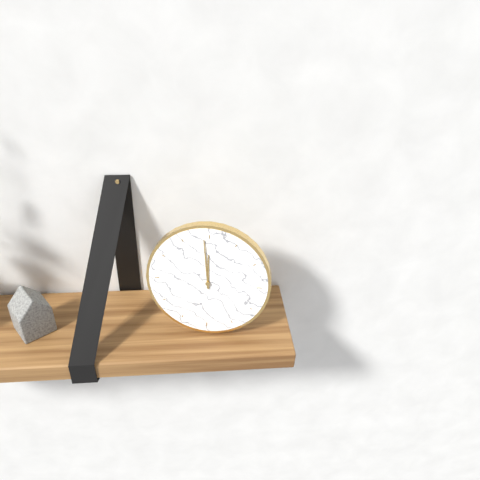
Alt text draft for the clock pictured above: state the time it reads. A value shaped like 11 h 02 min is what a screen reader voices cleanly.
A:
11 h 59 min
